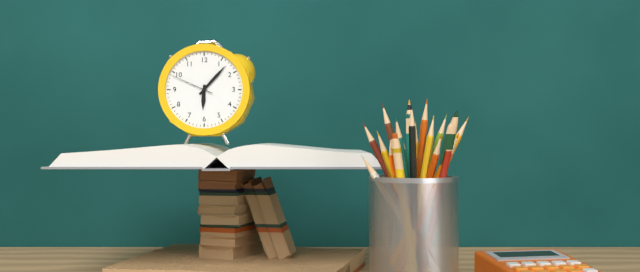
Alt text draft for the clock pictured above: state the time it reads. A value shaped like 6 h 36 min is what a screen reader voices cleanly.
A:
6 h 07 min
